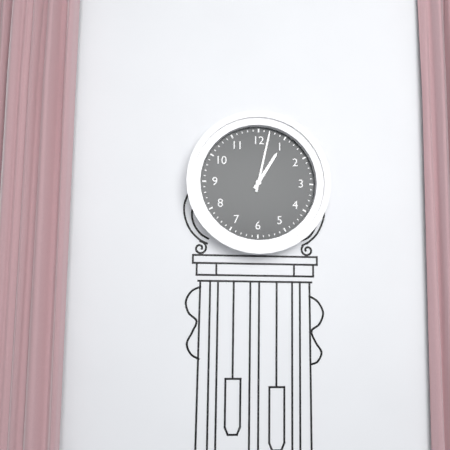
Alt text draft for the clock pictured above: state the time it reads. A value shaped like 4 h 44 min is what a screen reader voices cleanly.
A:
1 h 02 min
